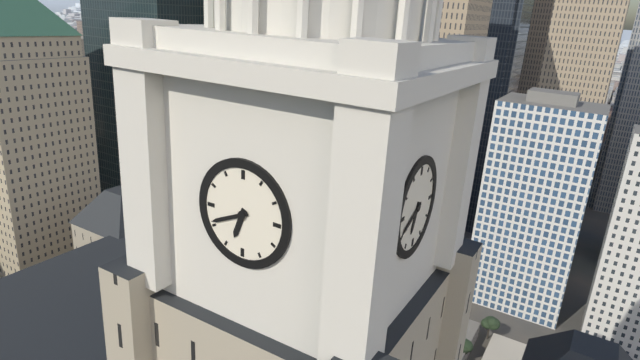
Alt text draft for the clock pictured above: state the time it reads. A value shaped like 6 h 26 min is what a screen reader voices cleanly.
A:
6 h 41 min
